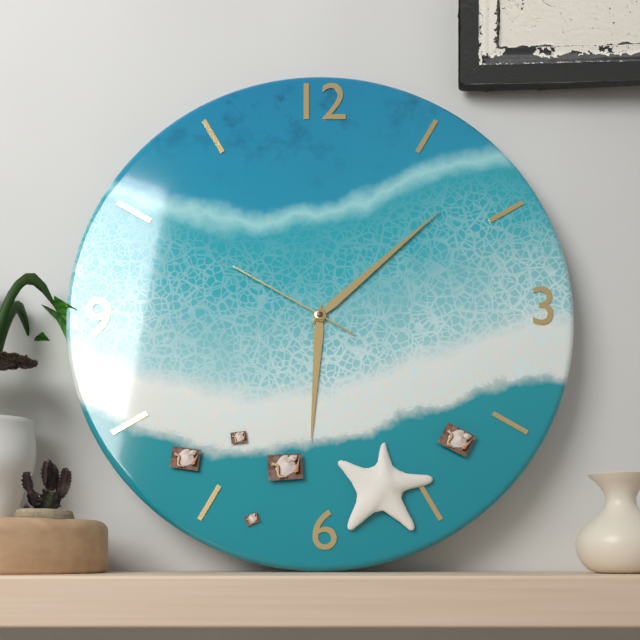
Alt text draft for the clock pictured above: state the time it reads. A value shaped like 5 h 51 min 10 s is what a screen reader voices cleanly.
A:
6 h 08 min 50 s
